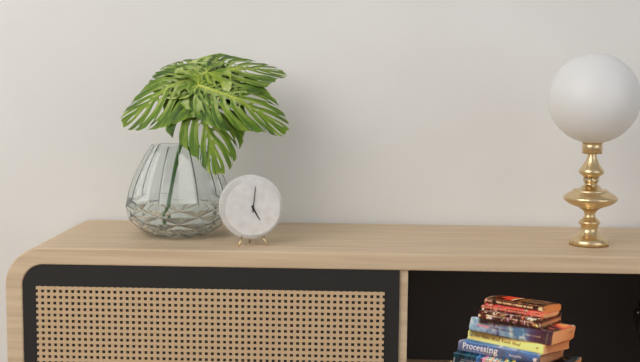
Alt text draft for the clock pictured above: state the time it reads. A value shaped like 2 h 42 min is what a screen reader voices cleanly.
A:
5 h 01 min
